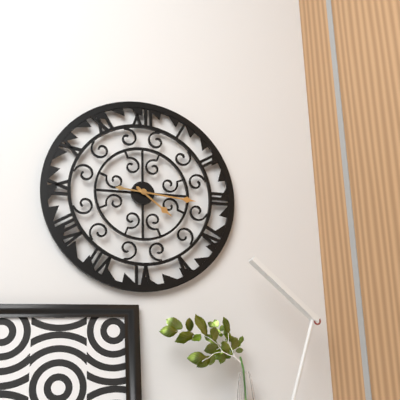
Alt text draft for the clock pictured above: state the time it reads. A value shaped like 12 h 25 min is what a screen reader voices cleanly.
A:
4 h 16 min
